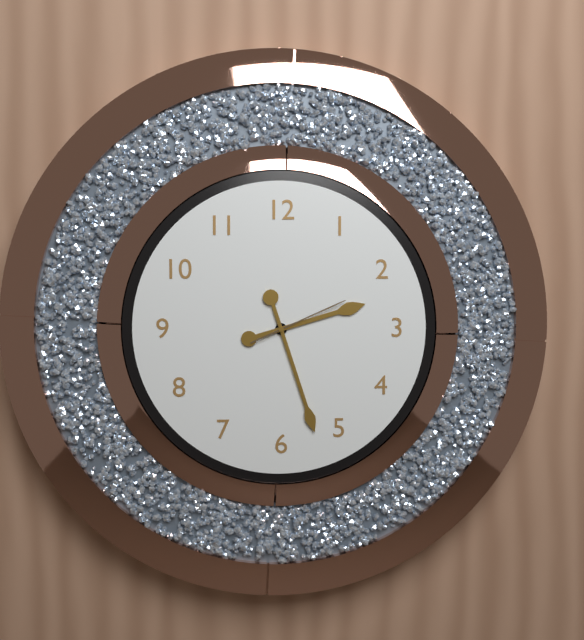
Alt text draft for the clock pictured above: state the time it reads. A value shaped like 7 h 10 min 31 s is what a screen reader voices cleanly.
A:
2 h 27 min 11 s
